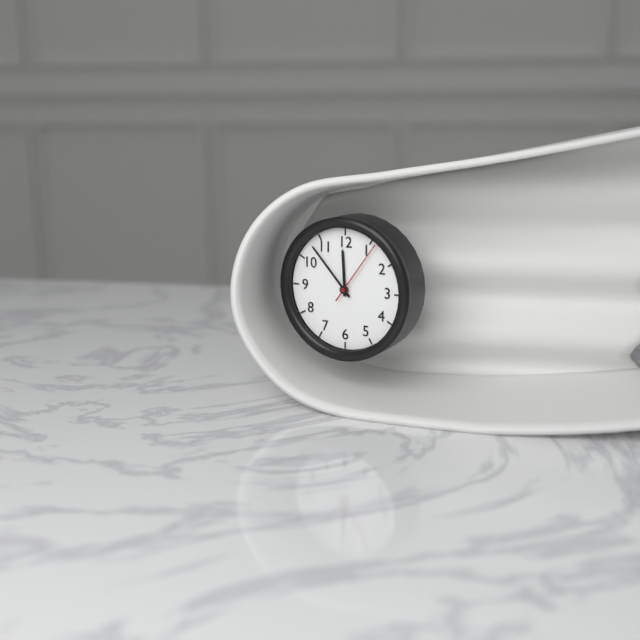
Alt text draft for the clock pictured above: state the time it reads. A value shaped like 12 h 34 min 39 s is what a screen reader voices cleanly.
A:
11 h 53 min 06 s
